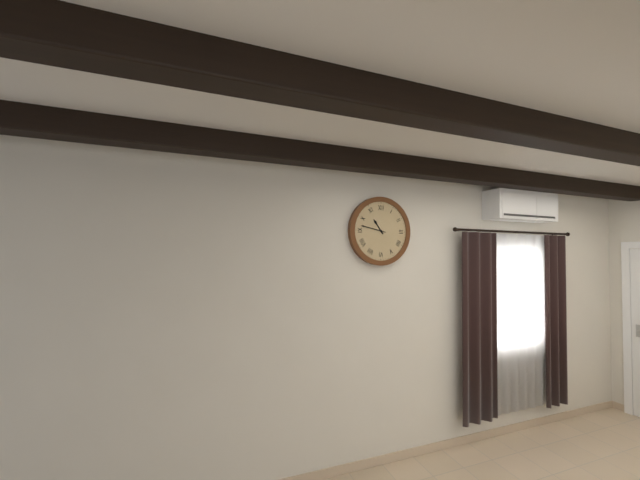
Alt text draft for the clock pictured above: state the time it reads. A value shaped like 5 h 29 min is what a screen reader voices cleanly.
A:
10 h 47 min
